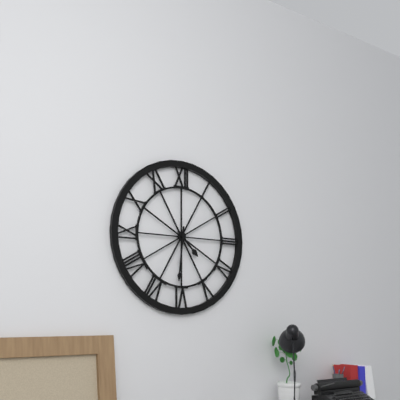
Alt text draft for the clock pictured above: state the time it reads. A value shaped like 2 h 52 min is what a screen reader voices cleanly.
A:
4 h 31 min
